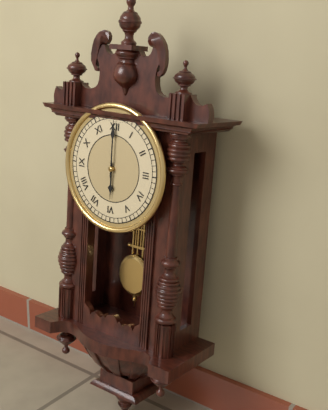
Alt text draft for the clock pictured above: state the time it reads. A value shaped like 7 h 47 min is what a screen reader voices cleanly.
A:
6 h 00 min
